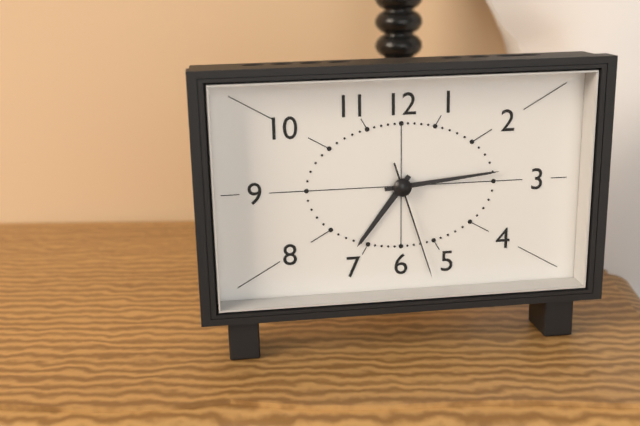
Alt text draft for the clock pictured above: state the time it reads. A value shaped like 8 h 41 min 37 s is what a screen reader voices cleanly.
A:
7 h 14 min 27 s
